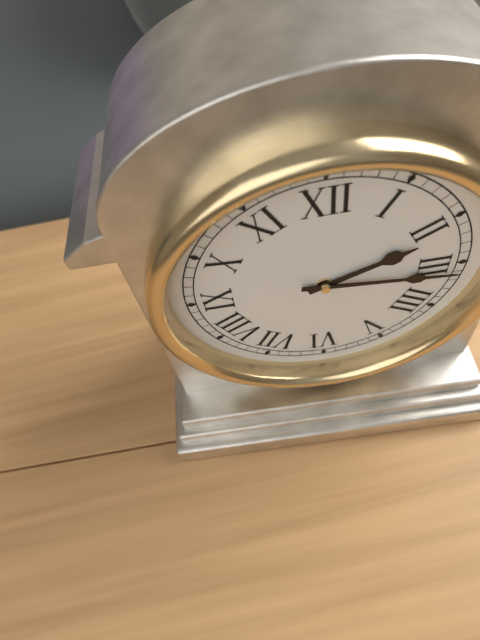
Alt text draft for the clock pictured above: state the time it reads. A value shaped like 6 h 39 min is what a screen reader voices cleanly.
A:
2 h 16 min
